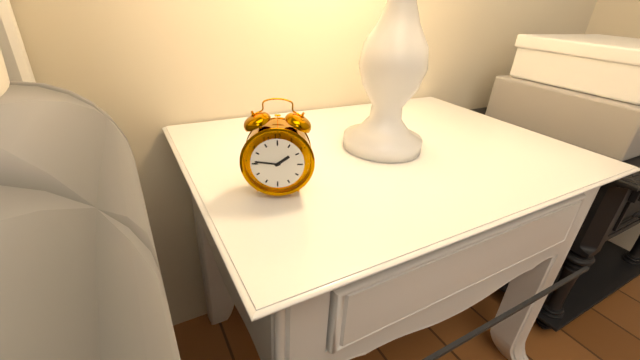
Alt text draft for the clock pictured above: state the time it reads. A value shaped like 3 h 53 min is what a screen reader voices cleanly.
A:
1 h 46 min
